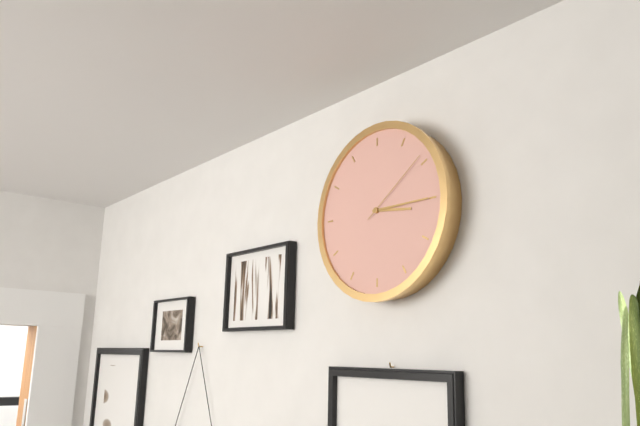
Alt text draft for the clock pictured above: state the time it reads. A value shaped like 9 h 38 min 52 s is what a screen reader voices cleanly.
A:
3 h 15 min 09 s
